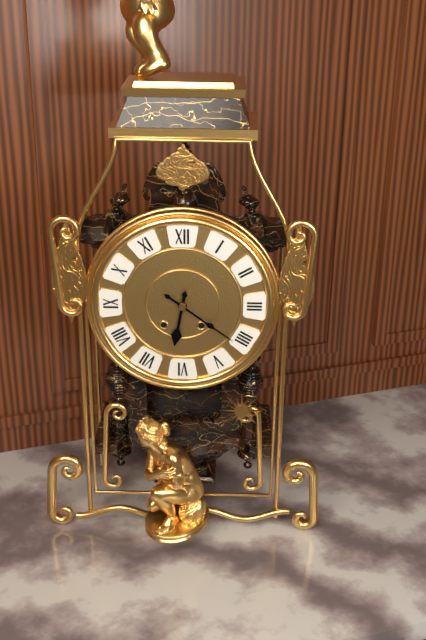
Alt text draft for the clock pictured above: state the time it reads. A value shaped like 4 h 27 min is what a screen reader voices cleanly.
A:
6 h 21 min
